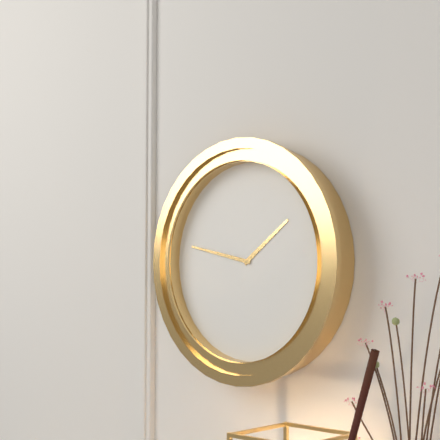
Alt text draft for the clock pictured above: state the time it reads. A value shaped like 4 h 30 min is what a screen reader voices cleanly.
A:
1 h 47 min
